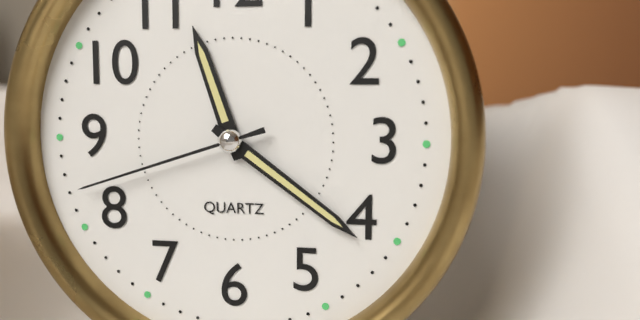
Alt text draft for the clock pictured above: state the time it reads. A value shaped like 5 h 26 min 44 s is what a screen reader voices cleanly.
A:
11 h 21 min 42 s
